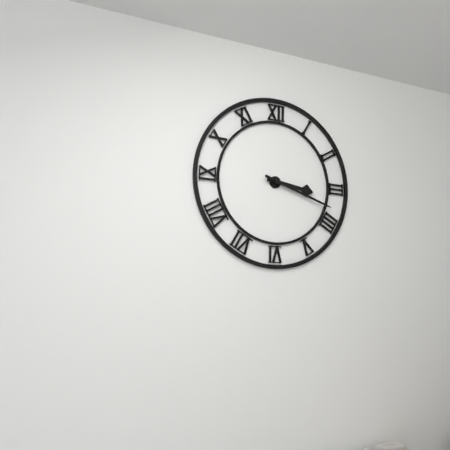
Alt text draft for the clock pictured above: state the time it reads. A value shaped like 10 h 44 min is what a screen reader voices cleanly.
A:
3 h 18 min
